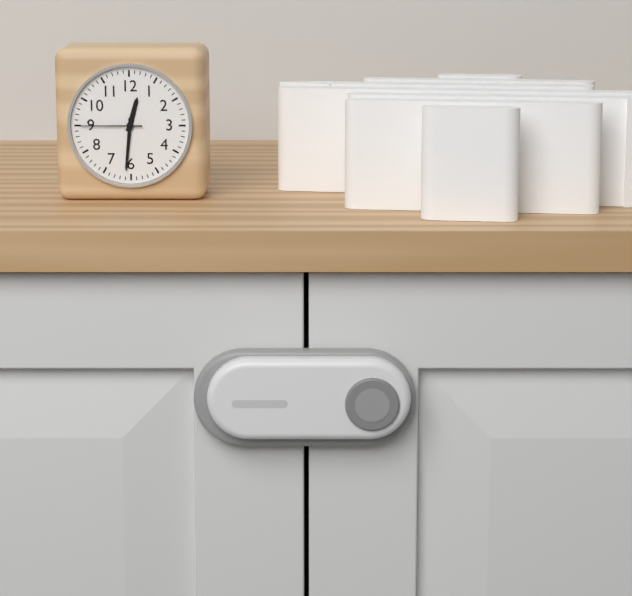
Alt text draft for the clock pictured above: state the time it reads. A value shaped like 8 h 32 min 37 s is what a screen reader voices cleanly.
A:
12 h 31 min 45 s
